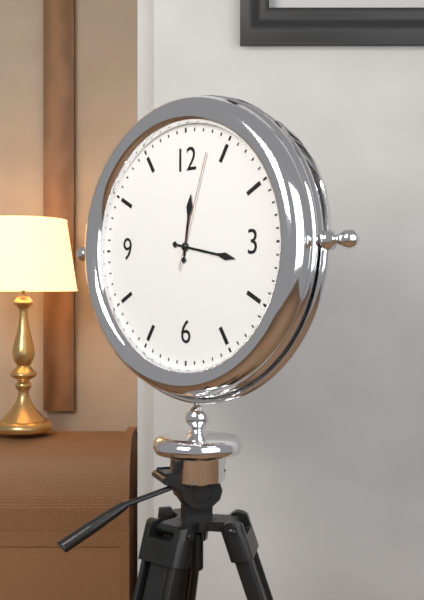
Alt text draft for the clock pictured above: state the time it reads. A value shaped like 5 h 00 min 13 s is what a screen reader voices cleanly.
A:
12 h 17 min 03 s
